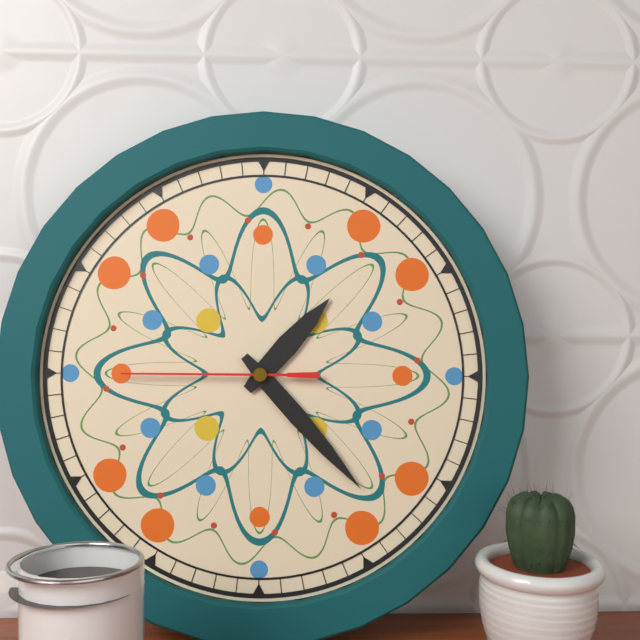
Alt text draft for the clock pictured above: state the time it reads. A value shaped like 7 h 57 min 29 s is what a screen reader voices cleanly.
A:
1 h 23 min 45 s
